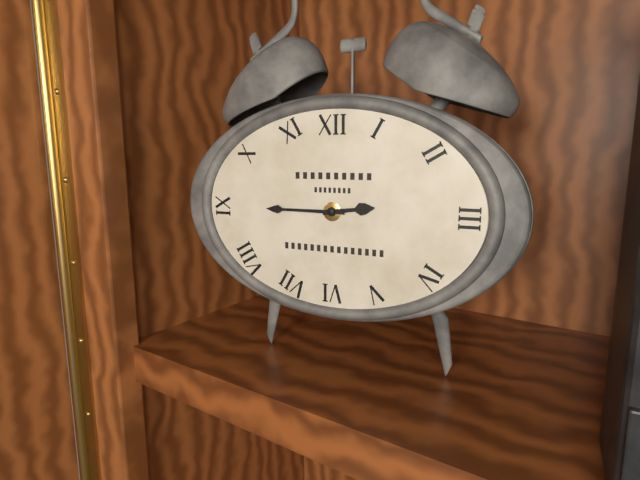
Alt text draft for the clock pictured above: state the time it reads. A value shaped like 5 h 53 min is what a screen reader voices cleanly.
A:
2 h 45 min
